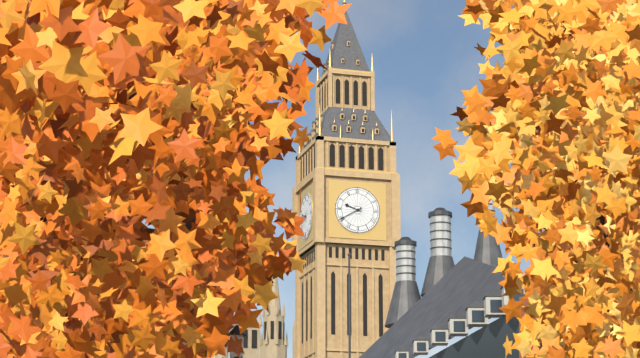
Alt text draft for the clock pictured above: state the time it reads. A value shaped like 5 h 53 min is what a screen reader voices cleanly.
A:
9 h 40 min
